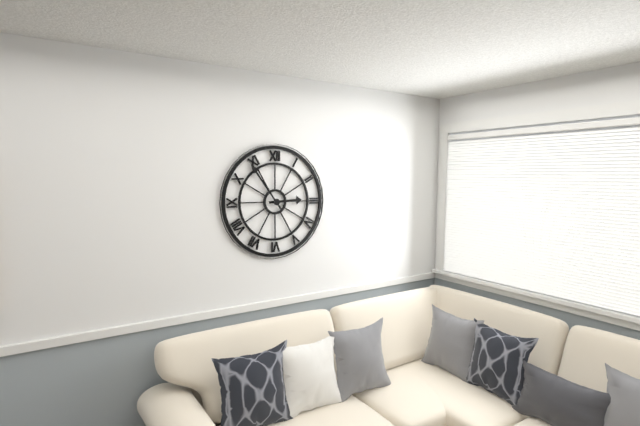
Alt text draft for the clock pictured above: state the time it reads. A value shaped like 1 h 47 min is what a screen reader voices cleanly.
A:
2 h 54 min
